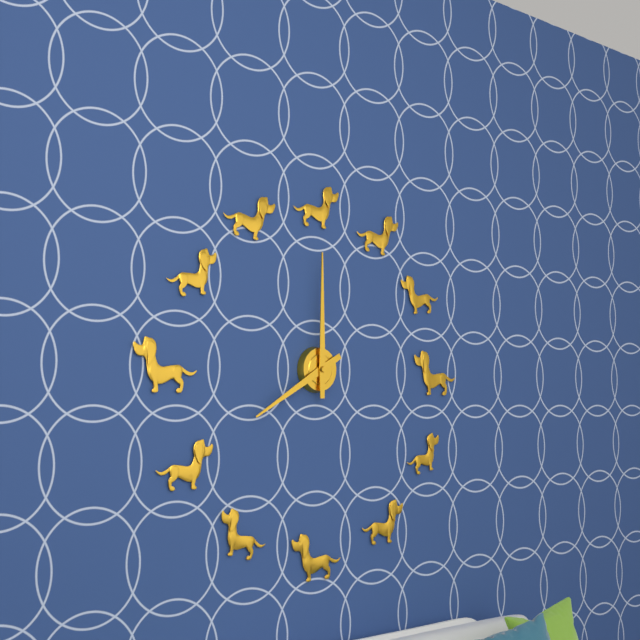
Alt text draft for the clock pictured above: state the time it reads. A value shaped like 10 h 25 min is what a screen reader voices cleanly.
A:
8 h 00 min
